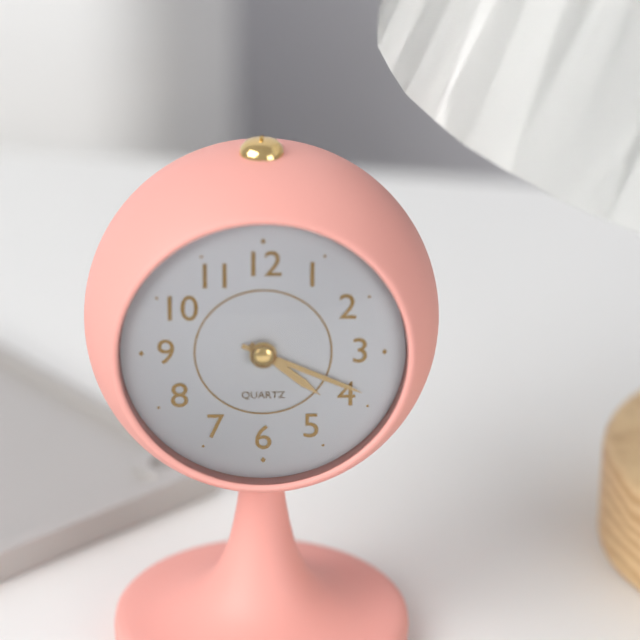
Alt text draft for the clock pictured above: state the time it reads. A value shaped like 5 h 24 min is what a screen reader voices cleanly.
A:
4 h 19 min
